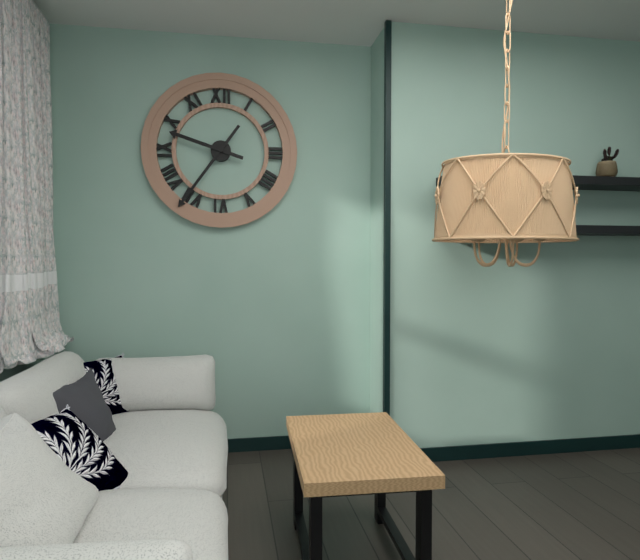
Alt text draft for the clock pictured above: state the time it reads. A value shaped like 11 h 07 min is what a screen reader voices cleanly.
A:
9 h 36 min
